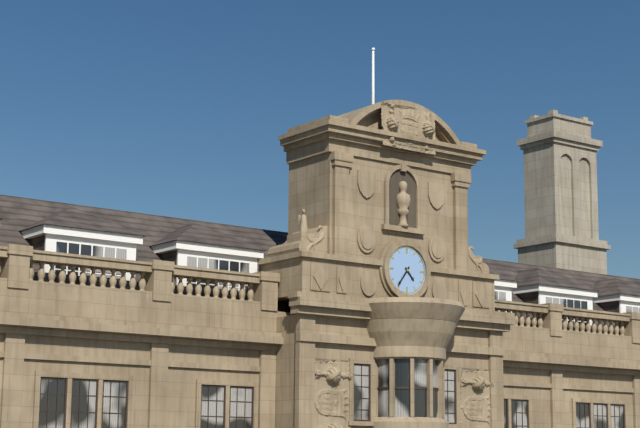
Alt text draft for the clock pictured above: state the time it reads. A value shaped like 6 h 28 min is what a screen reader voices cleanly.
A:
4 h 36 min
